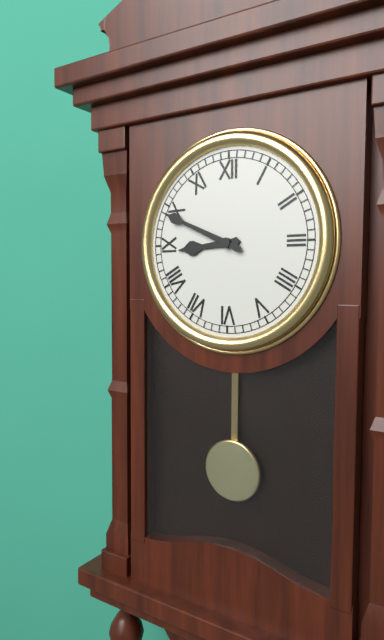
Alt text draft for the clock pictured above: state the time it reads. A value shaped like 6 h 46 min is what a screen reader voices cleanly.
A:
8 h 49 min
